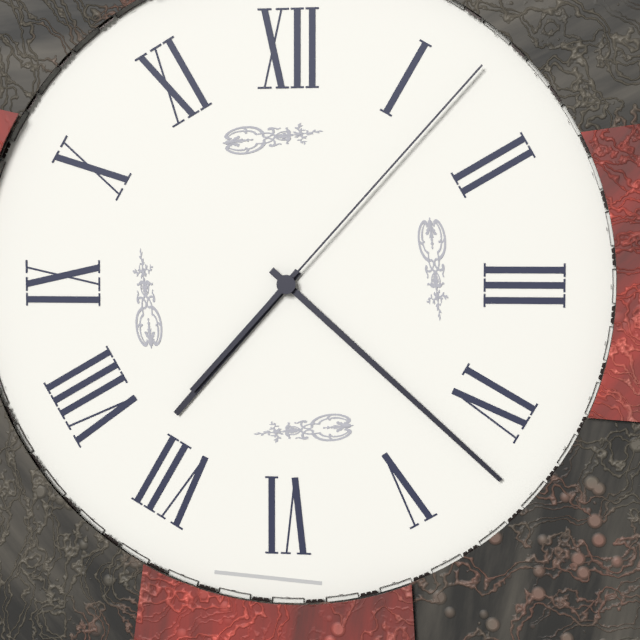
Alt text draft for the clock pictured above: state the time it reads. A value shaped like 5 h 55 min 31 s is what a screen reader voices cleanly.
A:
7 h 22 min 07 s
